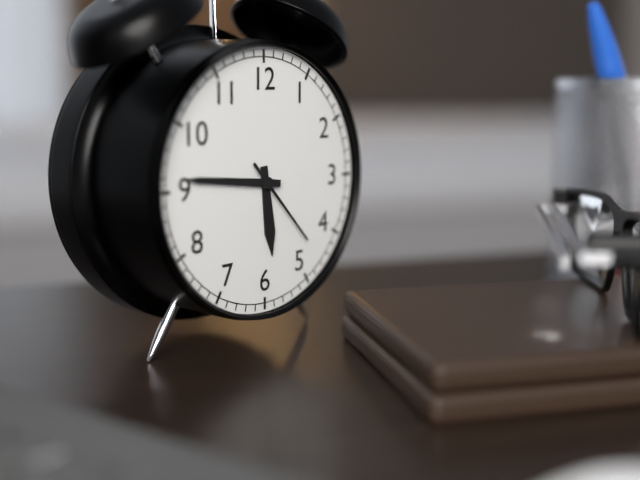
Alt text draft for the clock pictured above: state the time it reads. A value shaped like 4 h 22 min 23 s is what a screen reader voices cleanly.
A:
5 h 46 min 23 s
